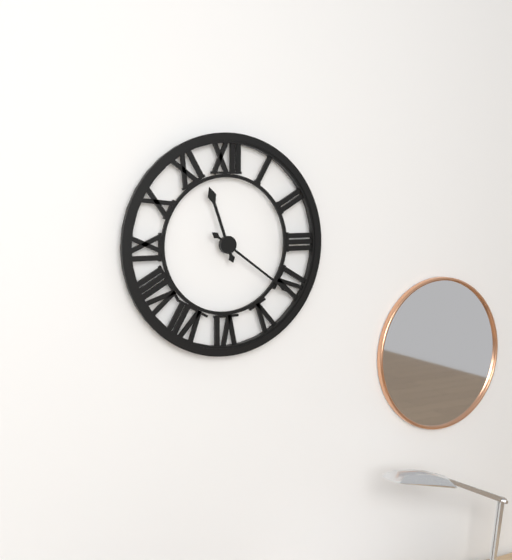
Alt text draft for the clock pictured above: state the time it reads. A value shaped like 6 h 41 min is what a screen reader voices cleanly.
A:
11 h 21 min
